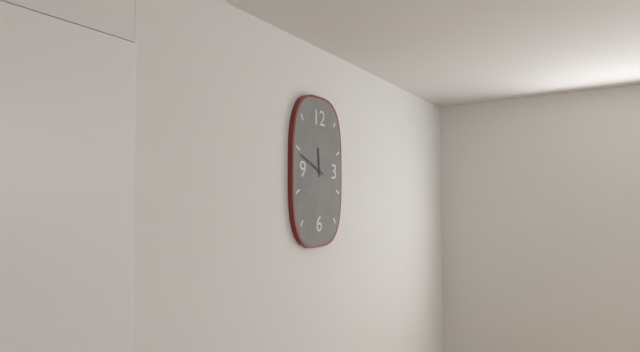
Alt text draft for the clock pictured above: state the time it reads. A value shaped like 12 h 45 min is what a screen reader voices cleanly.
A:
11 h 49 min
